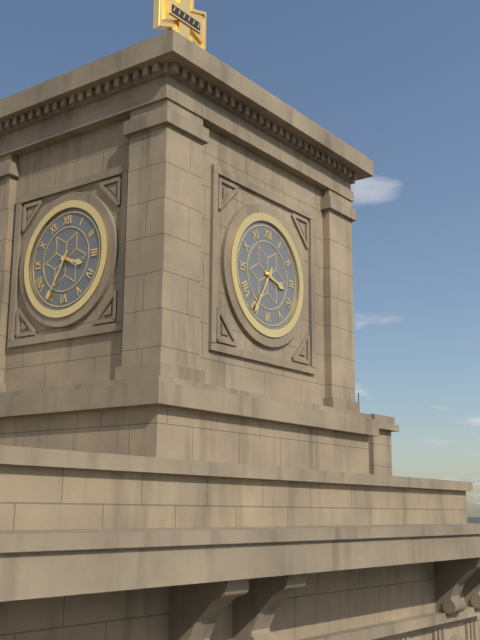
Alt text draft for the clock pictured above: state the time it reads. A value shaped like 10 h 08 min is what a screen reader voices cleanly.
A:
3 h 35 min
